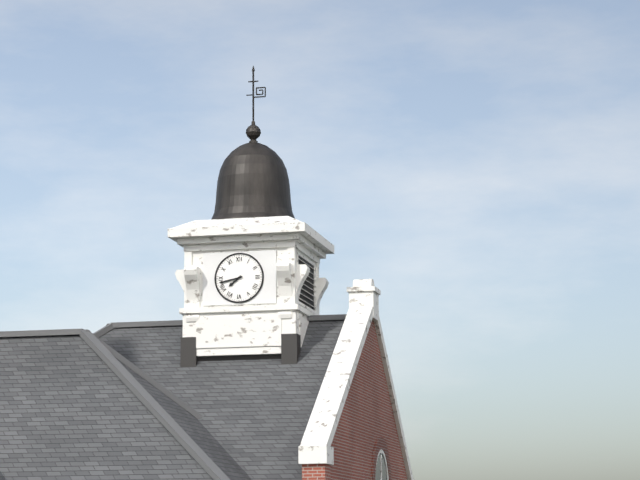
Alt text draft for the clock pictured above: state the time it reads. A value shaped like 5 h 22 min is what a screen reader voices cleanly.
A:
7 h 43 min
